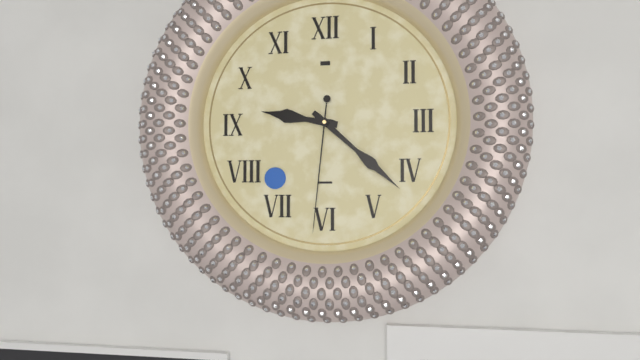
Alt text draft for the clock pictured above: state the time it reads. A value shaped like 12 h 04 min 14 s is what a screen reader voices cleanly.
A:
9 h 22 min 31 s
